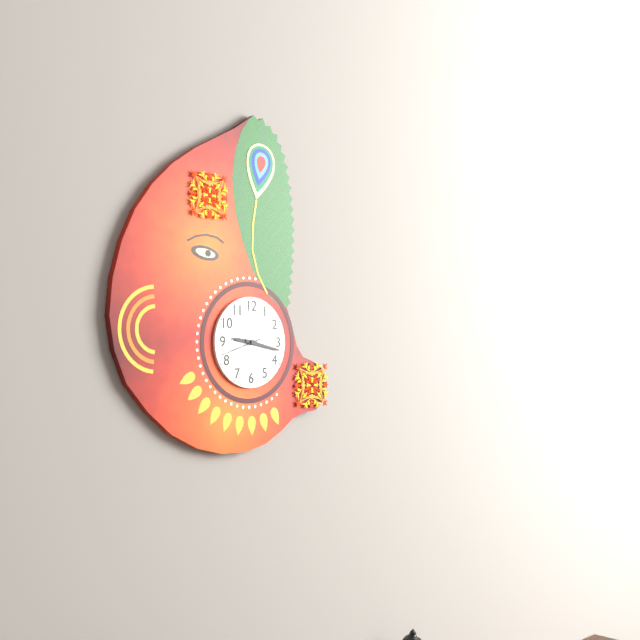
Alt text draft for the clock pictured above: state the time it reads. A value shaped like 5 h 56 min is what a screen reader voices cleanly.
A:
9 h 17 min
